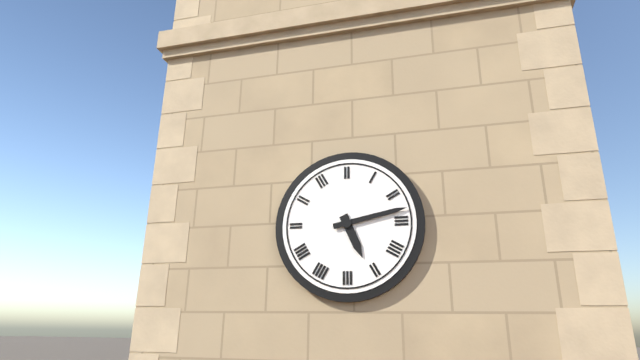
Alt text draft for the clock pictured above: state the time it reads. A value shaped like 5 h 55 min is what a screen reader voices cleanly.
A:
5 h 13 min
